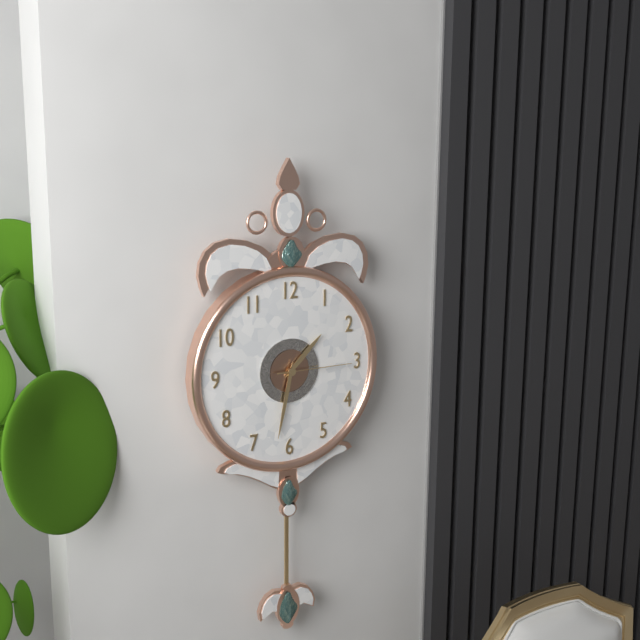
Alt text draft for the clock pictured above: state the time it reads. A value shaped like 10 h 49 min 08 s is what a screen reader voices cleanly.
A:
1 h 32 min 15 s
